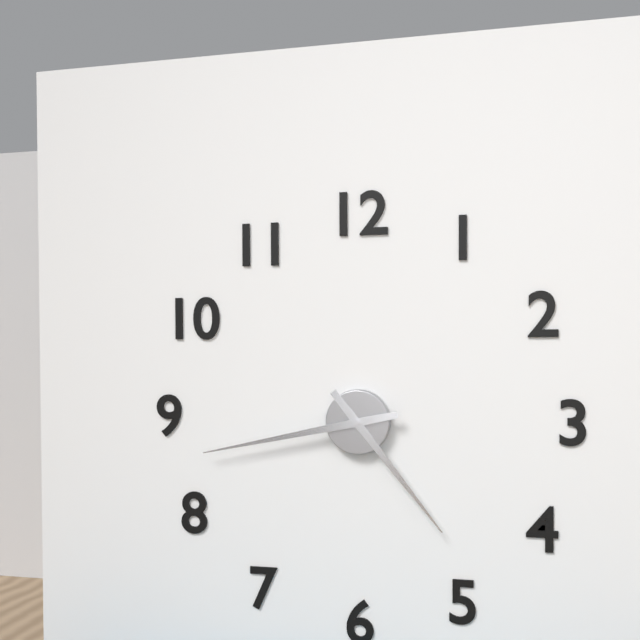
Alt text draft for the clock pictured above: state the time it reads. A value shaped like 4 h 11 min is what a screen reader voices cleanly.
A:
4 h 43 min
